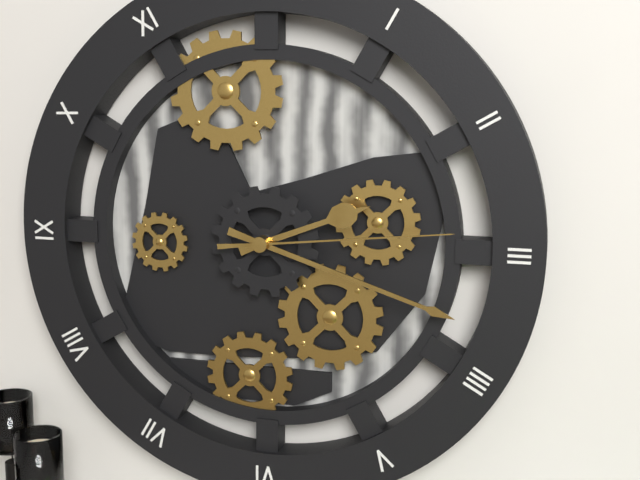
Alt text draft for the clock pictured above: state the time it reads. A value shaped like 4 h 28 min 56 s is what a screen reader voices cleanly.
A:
2 h 18 min 14 s
